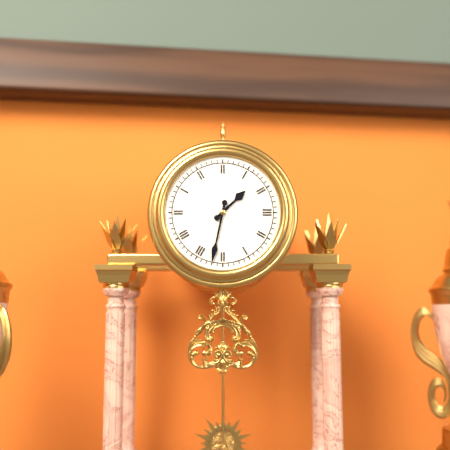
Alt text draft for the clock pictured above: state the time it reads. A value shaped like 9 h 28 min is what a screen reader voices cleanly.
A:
1 h 32 min
